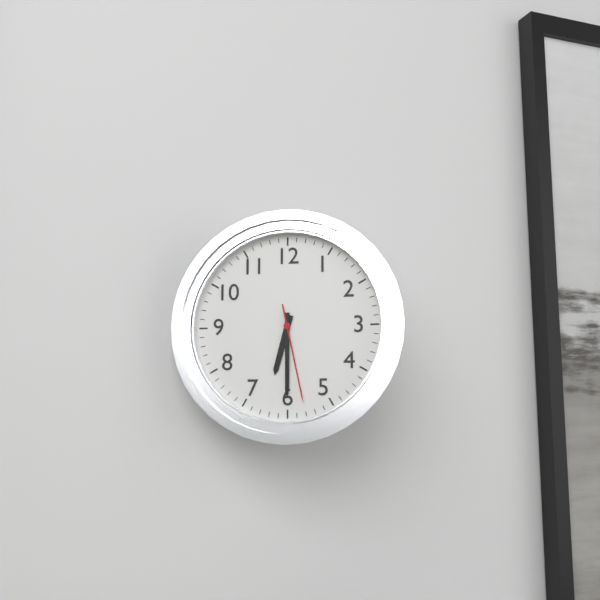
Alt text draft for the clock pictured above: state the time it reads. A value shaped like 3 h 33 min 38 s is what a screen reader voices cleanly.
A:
6 h 30 min 28 s
